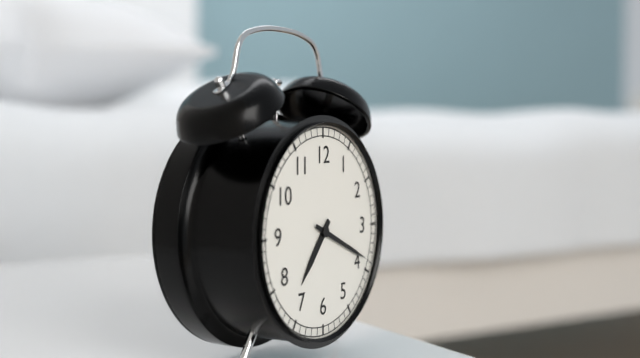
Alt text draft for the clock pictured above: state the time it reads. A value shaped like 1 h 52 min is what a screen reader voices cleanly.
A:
7 h 19 min
